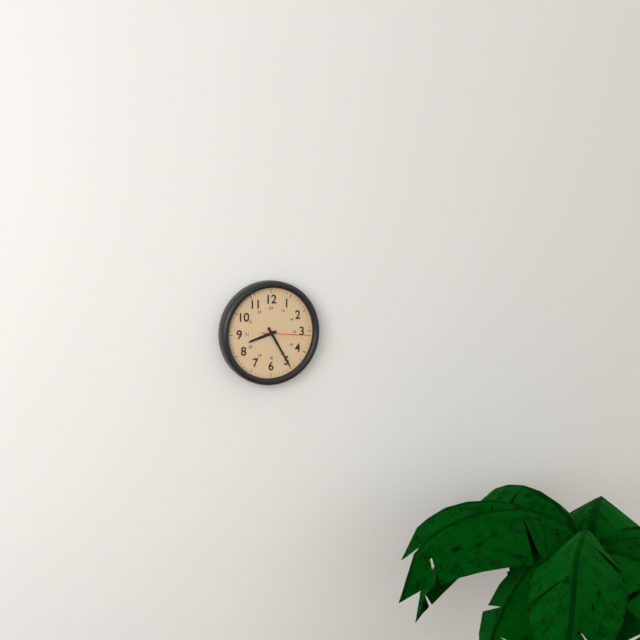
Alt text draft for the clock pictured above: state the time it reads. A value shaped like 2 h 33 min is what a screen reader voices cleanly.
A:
8 h 25 min
